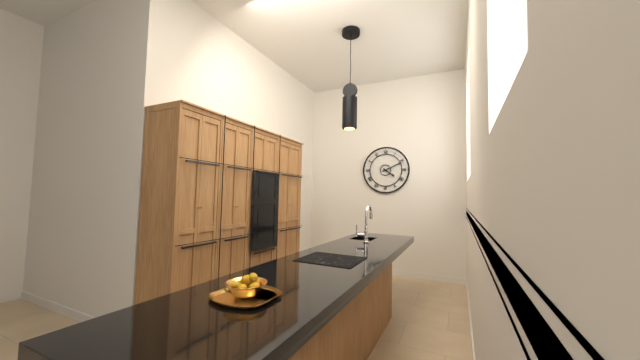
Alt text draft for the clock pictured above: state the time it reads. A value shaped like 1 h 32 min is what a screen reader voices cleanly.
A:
4 h 11 min
